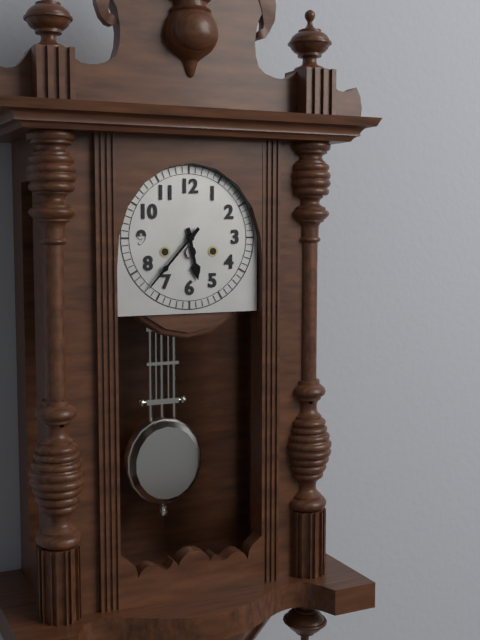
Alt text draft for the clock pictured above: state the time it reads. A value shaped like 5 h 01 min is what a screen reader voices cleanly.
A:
5 h 37 min
